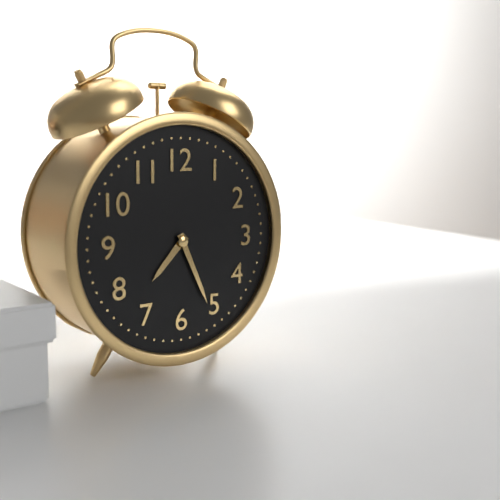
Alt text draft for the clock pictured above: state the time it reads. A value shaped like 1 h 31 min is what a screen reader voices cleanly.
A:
7 h 26 min
